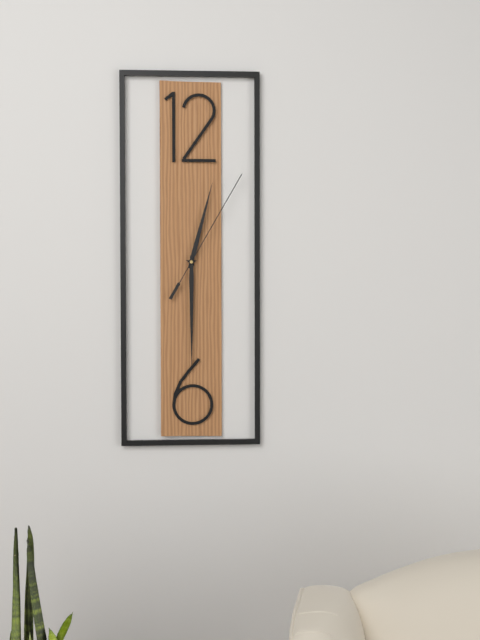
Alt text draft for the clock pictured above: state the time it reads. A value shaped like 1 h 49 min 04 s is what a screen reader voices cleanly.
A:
12 h 30 min 05 s
